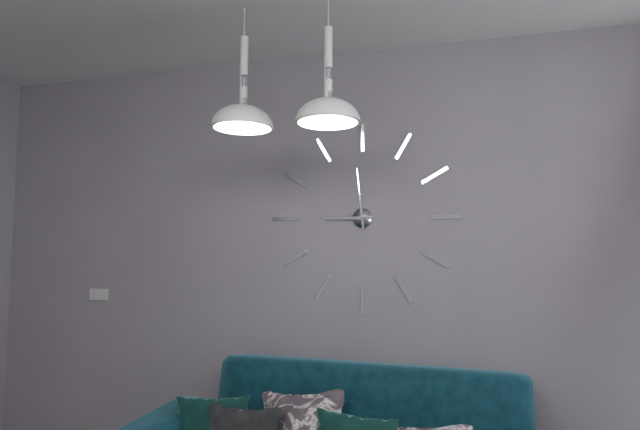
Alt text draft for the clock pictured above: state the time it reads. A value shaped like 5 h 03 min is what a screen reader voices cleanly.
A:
8 h 59 min
